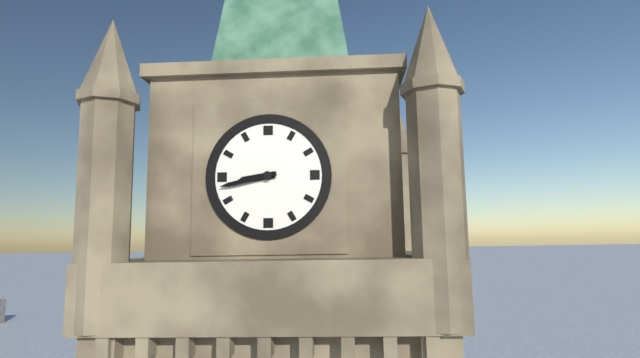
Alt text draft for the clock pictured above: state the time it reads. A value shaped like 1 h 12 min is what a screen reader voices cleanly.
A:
8 h 43 min
